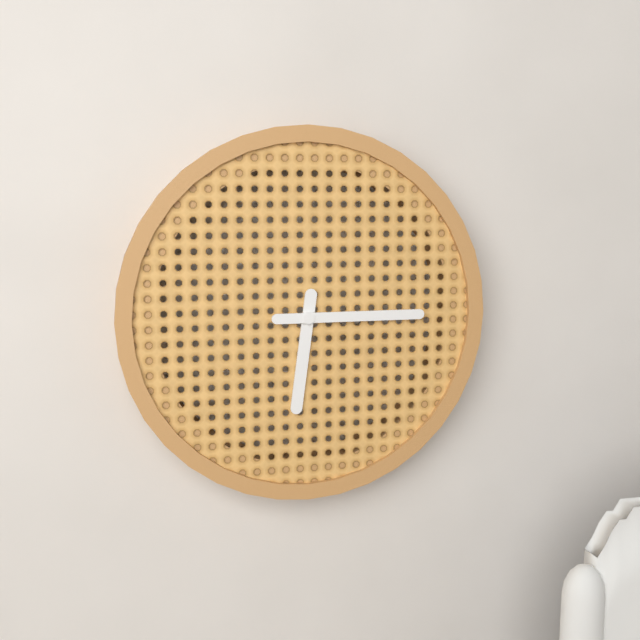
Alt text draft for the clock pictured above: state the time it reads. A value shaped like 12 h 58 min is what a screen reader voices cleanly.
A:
6 h 15 min
